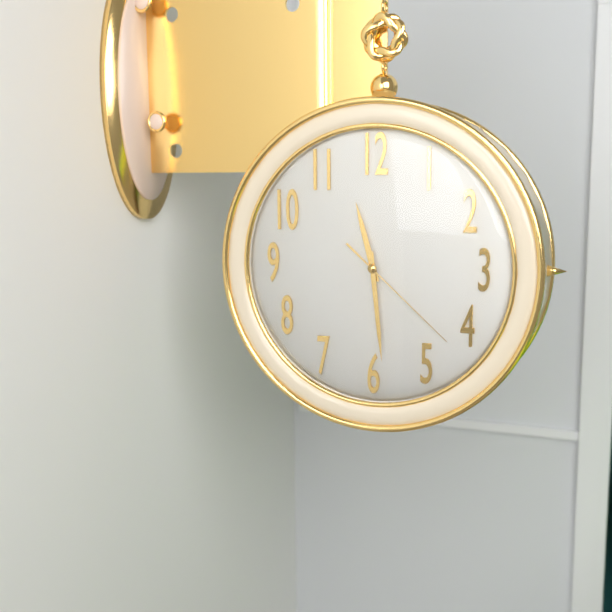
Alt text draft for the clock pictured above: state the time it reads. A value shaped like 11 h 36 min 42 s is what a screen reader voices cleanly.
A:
11 h 29 min 22 s
